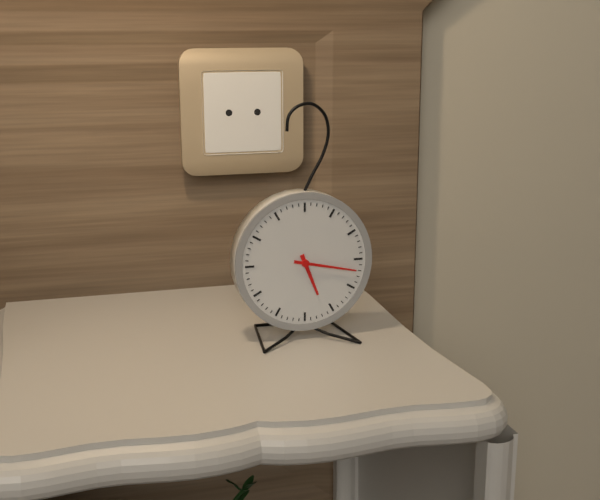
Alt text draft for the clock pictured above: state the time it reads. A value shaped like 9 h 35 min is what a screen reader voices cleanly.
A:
5 h 17 min
